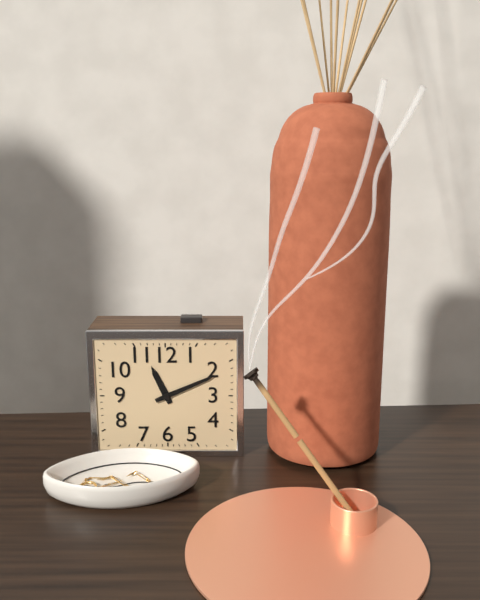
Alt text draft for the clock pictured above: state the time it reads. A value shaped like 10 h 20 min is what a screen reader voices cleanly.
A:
11 h 11 min
